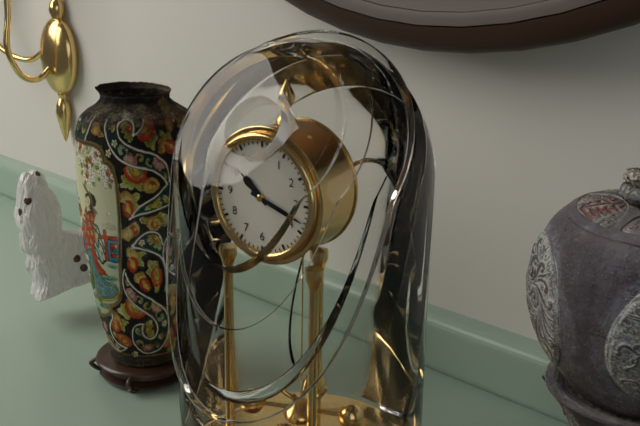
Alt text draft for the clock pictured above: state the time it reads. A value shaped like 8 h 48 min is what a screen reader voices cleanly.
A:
10 h 18 min
